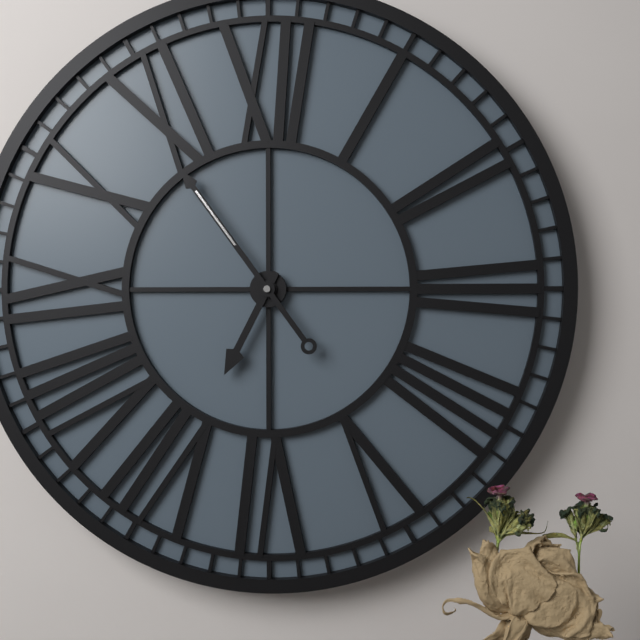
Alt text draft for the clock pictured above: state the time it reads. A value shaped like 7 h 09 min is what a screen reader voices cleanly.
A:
6 h 54 min
